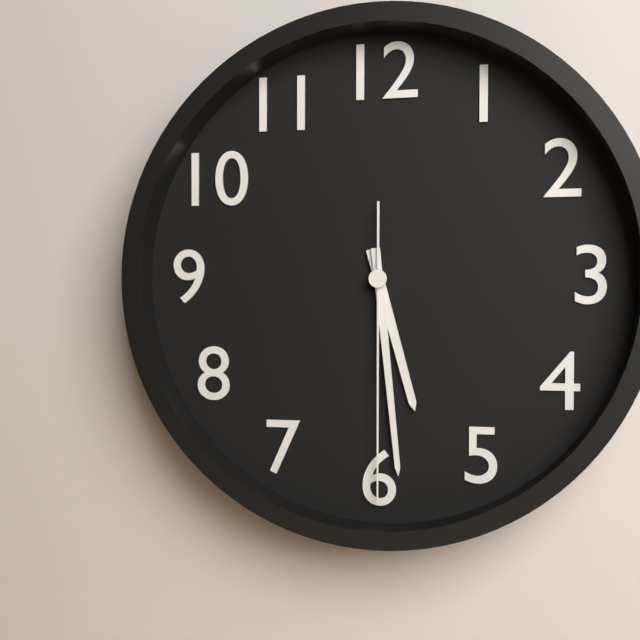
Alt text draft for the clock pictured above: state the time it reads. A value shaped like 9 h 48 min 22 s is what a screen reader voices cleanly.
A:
5 h 29 min 30 s
